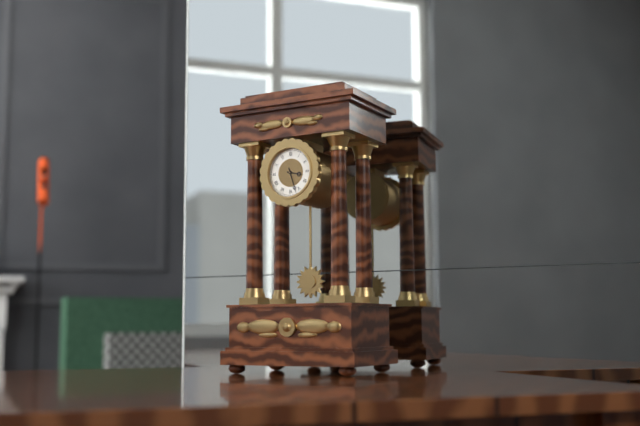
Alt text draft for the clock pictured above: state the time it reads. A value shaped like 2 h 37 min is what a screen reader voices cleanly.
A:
3 h 27 min
